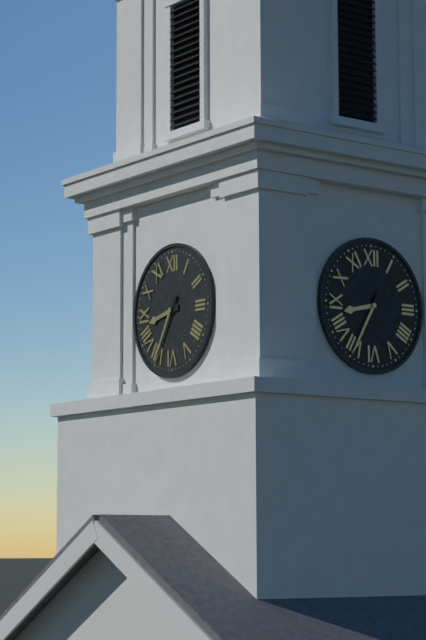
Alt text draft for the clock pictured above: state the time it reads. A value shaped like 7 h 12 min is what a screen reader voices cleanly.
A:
8 h 35 min
